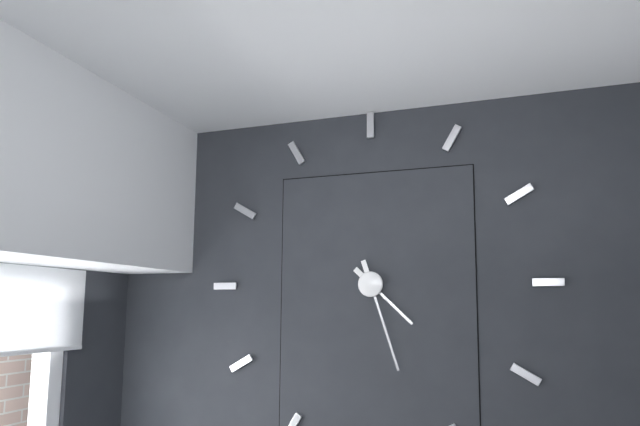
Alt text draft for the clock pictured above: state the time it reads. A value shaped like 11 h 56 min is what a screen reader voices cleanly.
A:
4 h 27 min
